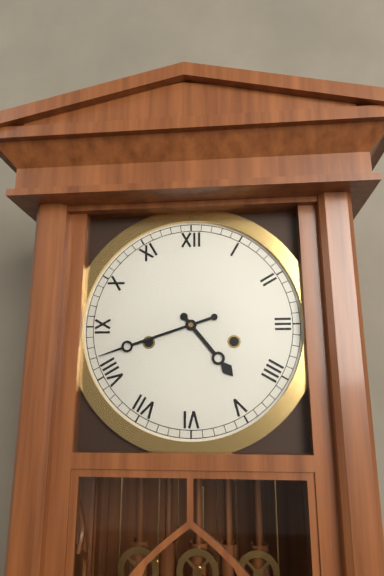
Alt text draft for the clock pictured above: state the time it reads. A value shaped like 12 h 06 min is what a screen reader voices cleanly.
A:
4 h 42 min
